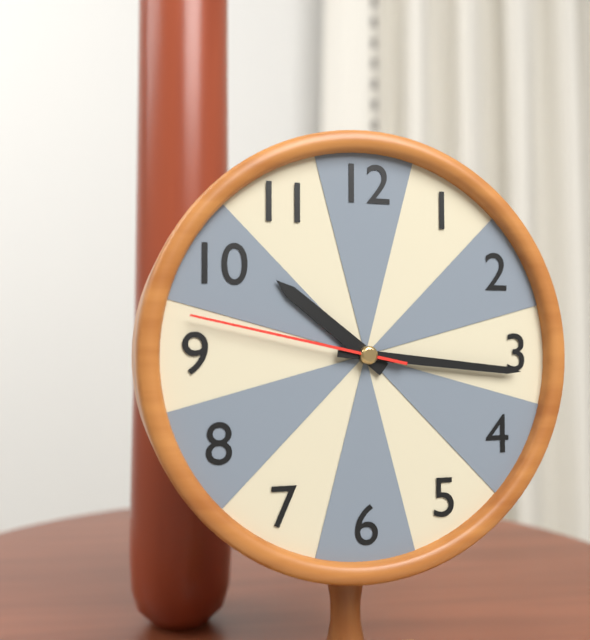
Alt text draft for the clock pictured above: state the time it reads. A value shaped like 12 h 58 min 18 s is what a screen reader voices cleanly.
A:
10 h 16 min 47 s
